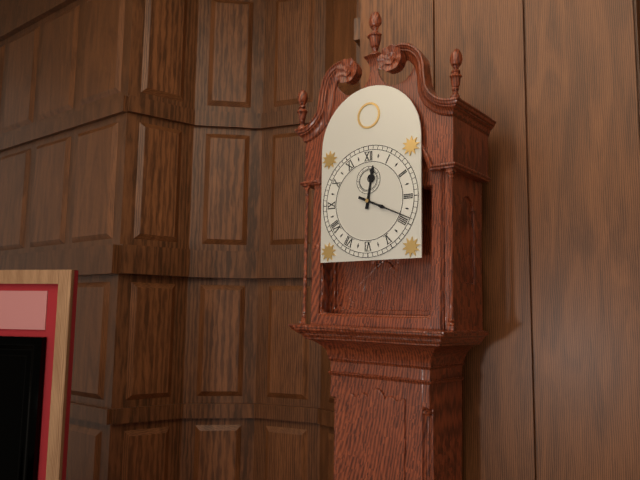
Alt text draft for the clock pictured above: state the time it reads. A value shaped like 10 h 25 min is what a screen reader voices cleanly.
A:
12 h 19 min
